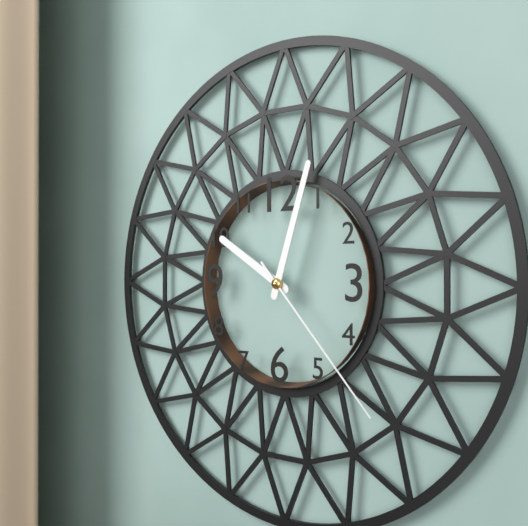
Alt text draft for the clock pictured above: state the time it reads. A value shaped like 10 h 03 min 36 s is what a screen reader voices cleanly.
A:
10 h 03 min 23 s
